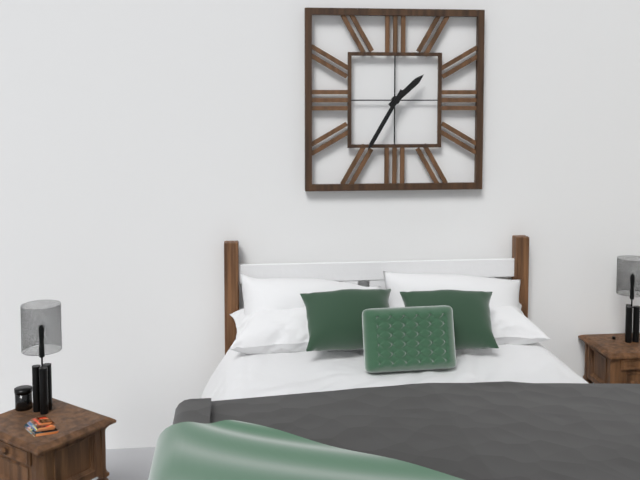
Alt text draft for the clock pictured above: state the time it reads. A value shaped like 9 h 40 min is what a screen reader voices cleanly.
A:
1 h 35 min
